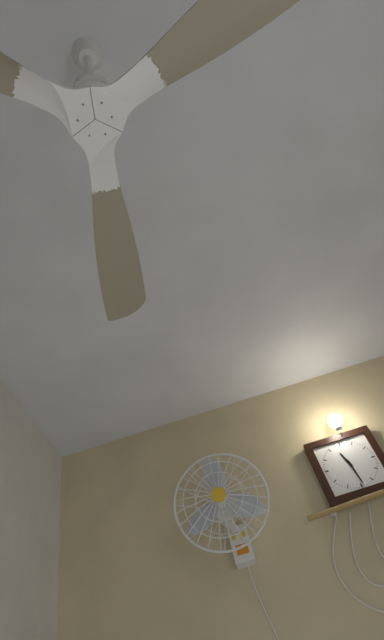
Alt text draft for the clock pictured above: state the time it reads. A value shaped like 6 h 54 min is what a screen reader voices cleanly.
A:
11 h 29 min
